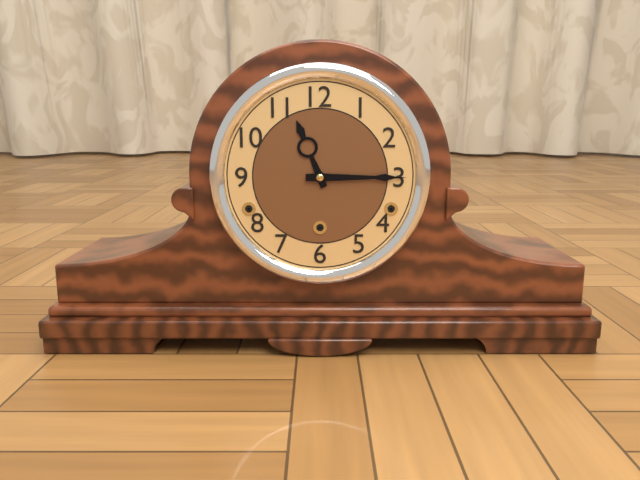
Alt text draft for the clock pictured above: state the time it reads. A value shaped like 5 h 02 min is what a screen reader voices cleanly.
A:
11 h 15 min
